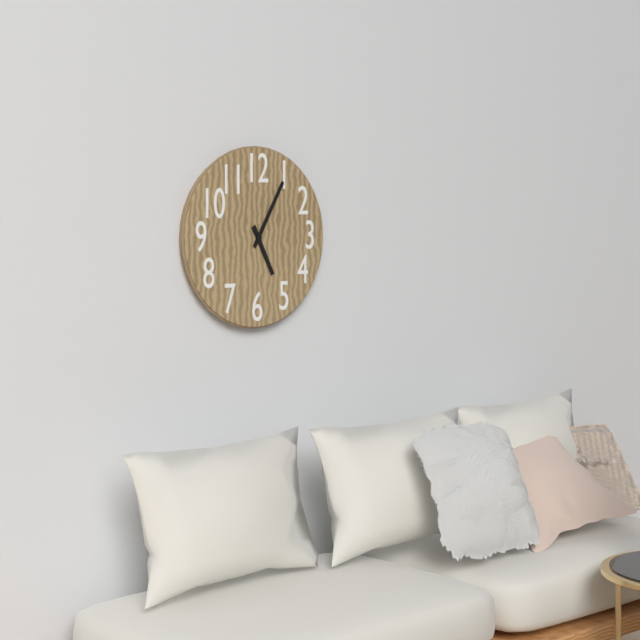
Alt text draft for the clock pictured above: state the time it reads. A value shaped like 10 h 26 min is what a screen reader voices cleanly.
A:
5 h 05 min
